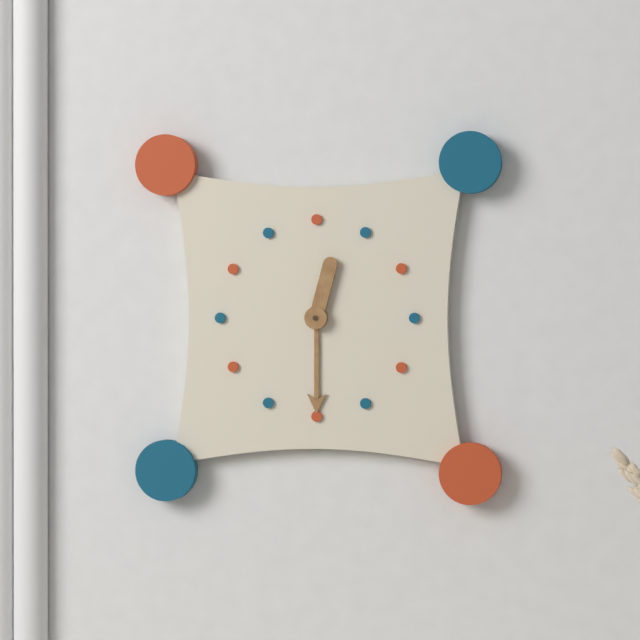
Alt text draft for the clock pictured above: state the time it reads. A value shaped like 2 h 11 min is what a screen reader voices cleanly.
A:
12 h 30 min
